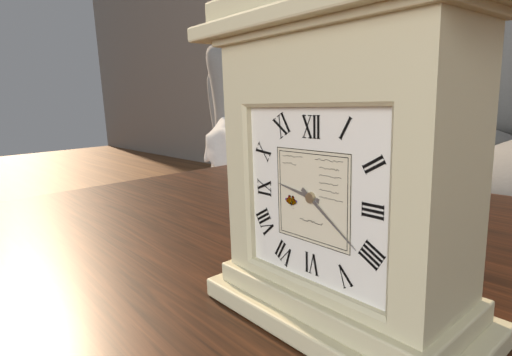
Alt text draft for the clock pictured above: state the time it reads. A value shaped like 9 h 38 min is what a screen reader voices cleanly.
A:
9 h 21 min
